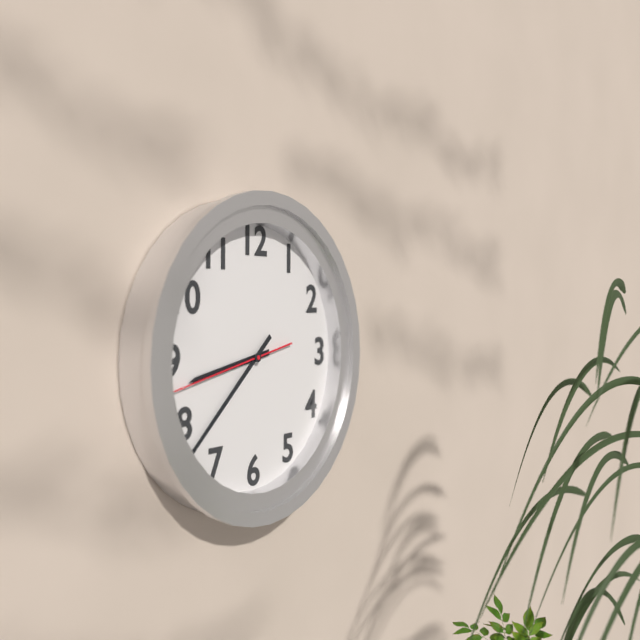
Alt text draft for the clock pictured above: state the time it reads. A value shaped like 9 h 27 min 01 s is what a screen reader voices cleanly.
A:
8 h 38 min 43 s
